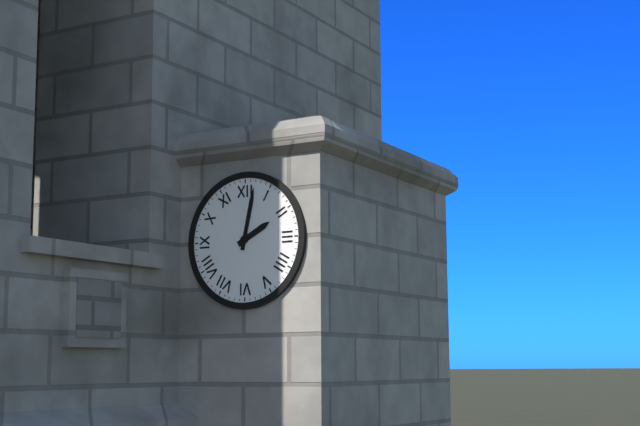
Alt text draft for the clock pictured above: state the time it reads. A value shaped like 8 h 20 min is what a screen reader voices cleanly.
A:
2 h 02 min
